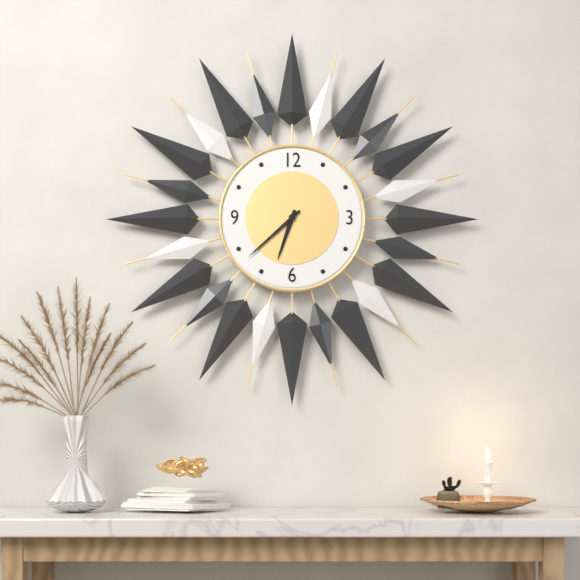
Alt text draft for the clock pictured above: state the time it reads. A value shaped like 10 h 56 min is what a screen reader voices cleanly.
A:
6 h 38 min
